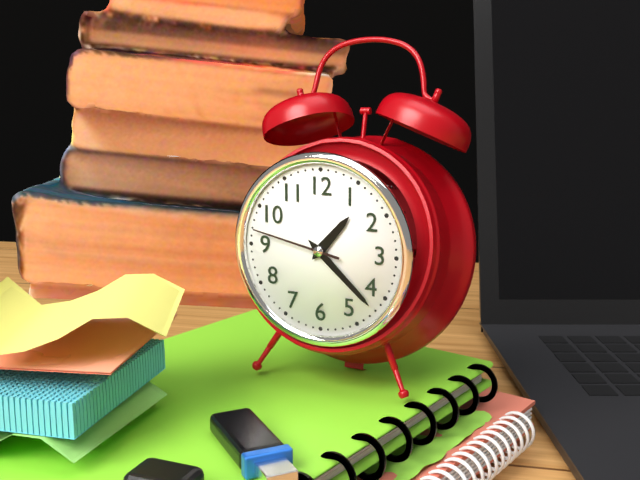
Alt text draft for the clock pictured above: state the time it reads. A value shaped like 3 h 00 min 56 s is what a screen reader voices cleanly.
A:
1 h 22 min 47 s
